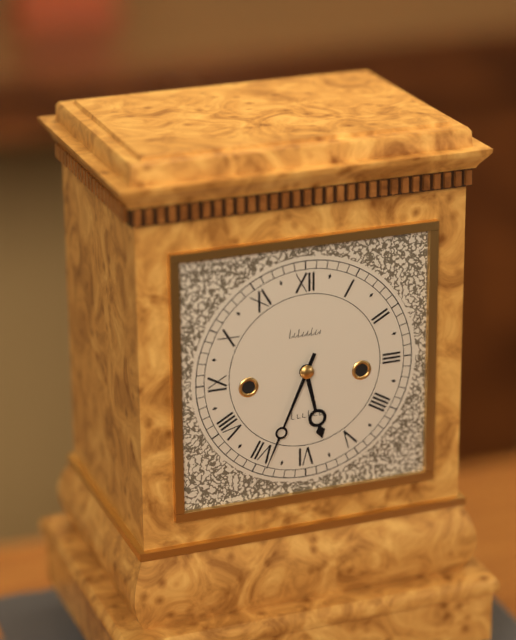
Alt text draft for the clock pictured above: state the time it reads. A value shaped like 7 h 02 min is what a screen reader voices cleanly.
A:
5 h 34 min
